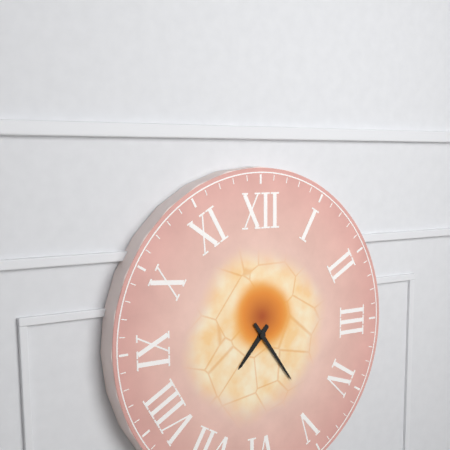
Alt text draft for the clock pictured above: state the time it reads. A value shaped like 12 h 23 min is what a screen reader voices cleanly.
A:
7 h 24 min
